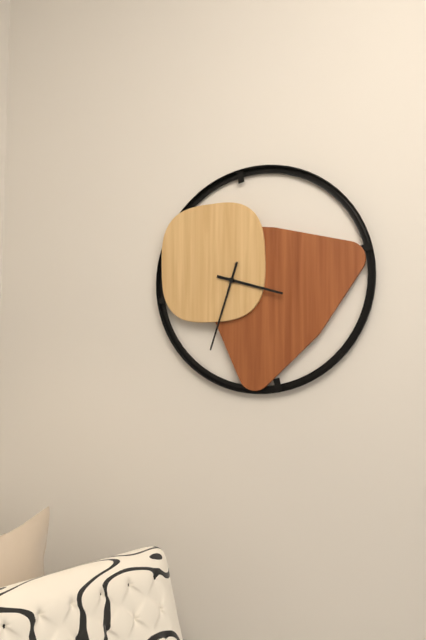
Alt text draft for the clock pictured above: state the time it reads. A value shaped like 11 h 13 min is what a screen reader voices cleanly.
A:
3 h 33 min
